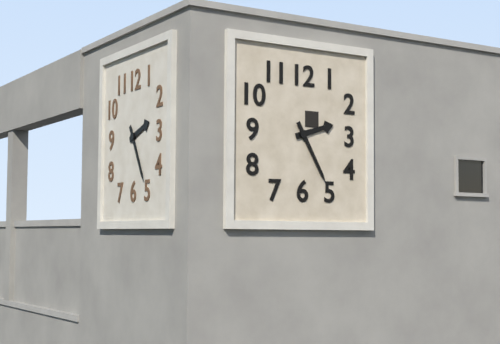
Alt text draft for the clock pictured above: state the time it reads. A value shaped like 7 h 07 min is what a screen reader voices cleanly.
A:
2 h 25 min
